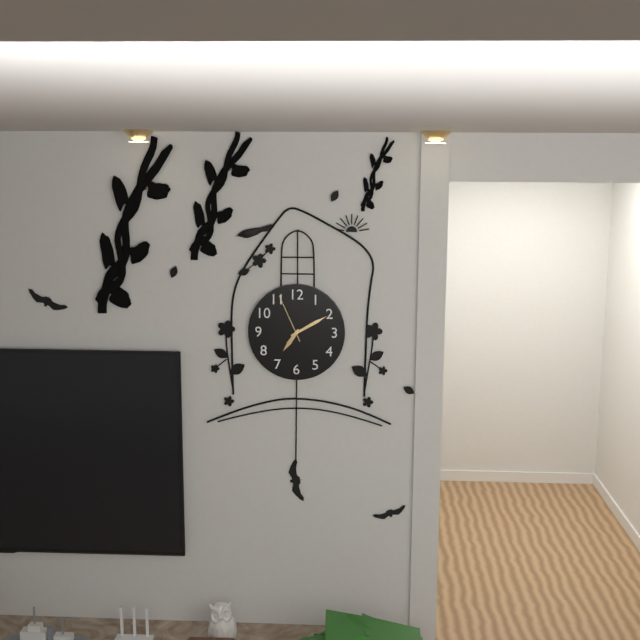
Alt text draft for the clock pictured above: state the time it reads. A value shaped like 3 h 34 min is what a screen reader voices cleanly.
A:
7 h 10 min
